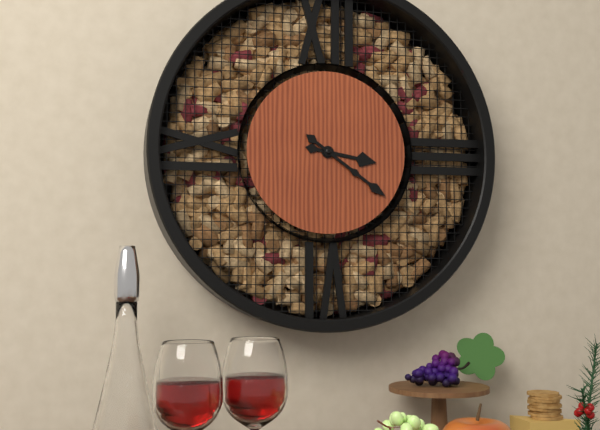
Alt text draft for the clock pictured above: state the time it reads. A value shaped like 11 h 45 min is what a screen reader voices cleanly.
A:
3 h 21 min
